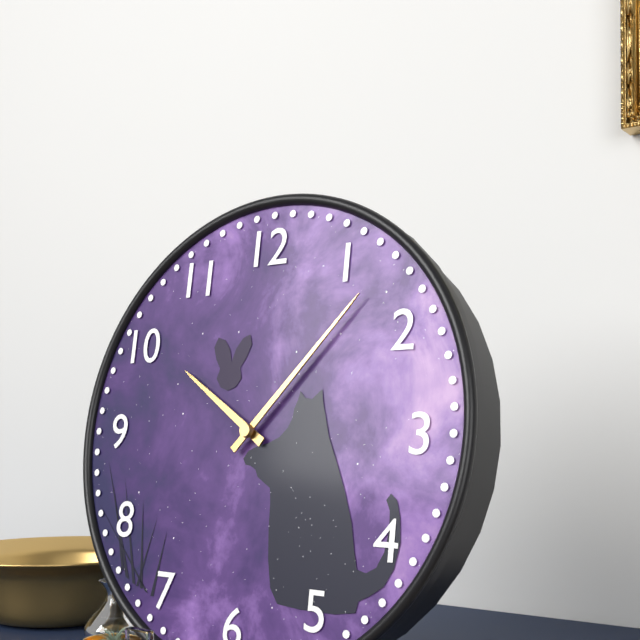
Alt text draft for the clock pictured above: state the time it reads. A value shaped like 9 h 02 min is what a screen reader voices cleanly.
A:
10 h 07 min
